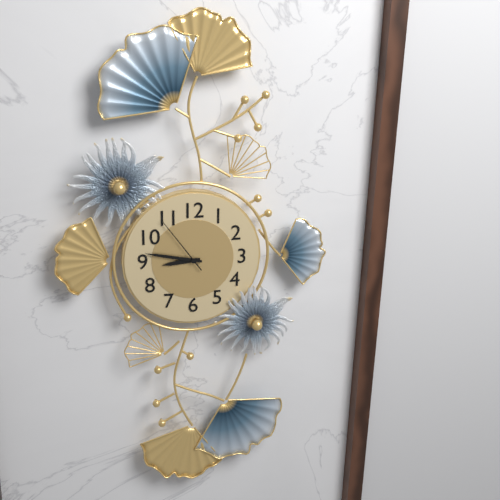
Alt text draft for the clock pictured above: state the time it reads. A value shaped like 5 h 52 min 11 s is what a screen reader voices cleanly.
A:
8 h 47 min 54 s
